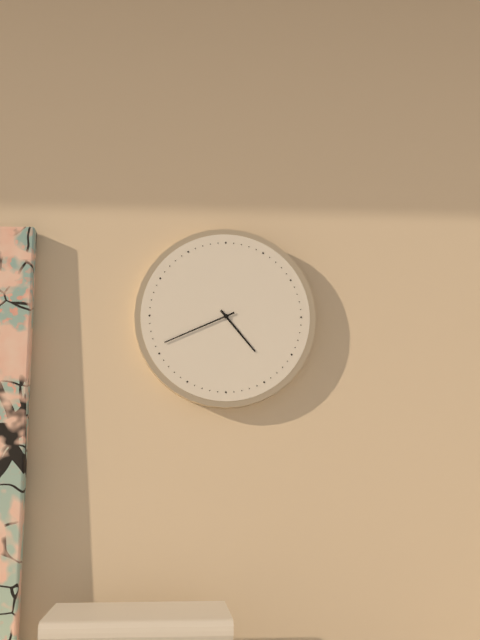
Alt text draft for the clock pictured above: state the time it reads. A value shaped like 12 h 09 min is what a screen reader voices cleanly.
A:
4 h 41 min
